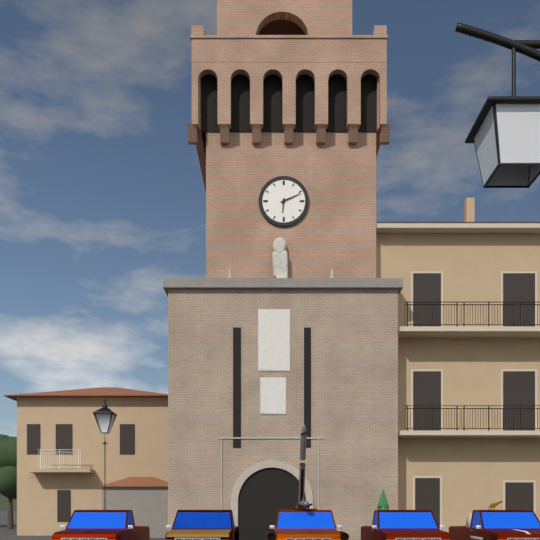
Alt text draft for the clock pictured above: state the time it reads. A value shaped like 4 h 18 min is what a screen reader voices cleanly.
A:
6 h 11 min
